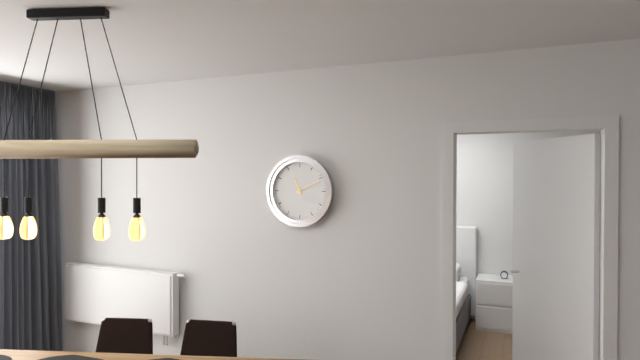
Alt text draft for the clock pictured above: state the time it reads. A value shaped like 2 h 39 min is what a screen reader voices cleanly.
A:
11 h 11 min
